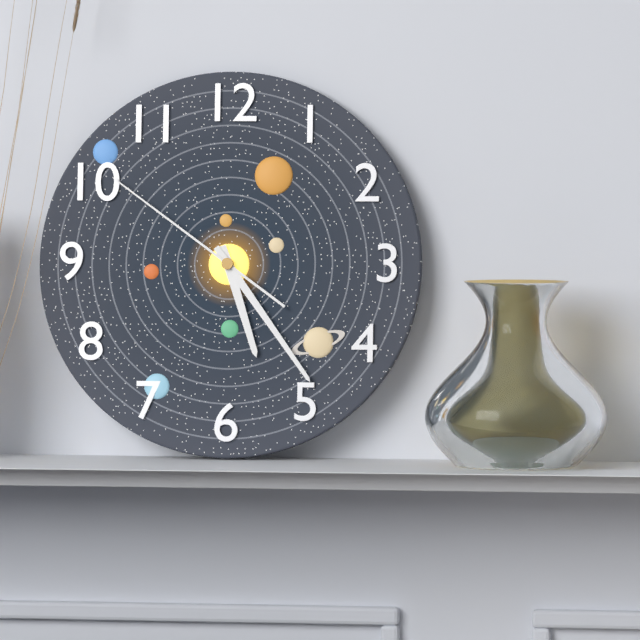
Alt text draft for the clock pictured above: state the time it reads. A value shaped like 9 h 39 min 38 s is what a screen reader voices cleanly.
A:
5 h 24 min 51 s
